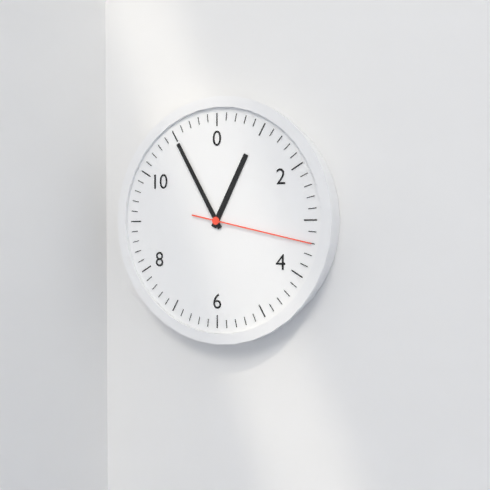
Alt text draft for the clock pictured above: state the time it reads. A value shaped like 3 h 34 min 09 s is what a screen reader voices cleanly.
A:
12 h 55 min 17 s
